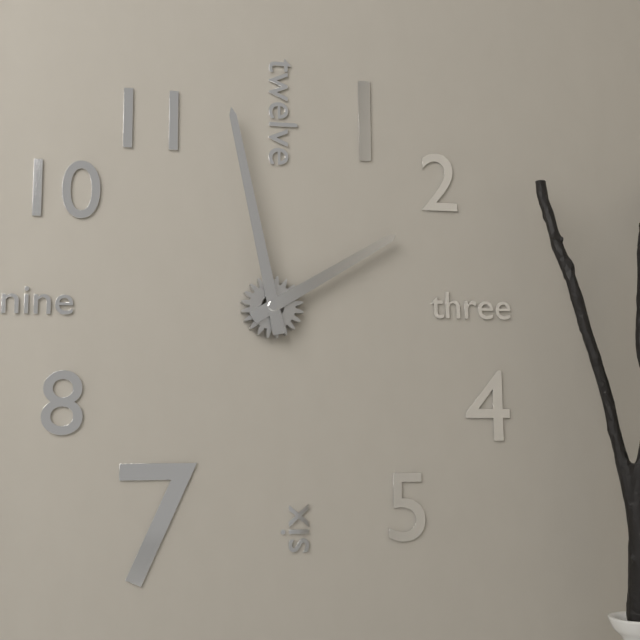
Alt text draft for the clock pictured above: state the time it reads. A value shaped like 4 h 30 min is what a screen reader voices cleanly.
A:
1 h 58 min
